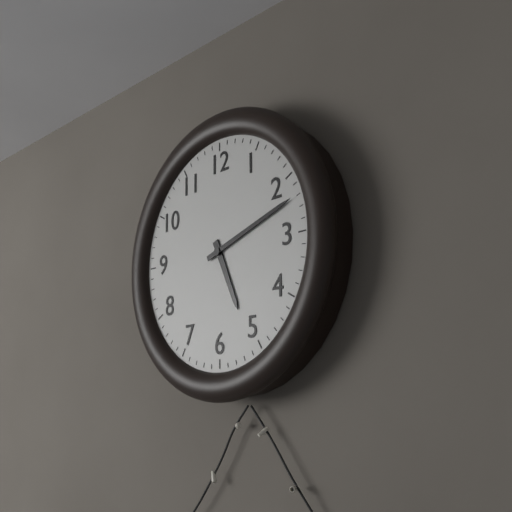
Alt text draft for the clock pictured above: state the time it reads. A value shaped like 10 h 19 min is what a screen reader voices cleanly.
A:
5 h 12 min
